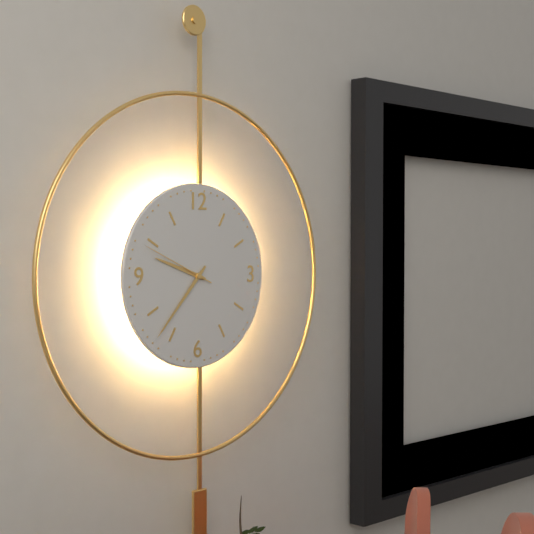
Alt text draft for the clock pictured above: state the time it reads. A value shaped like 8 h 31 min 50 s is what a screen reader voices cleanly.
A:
9 h 37 min 49 s
